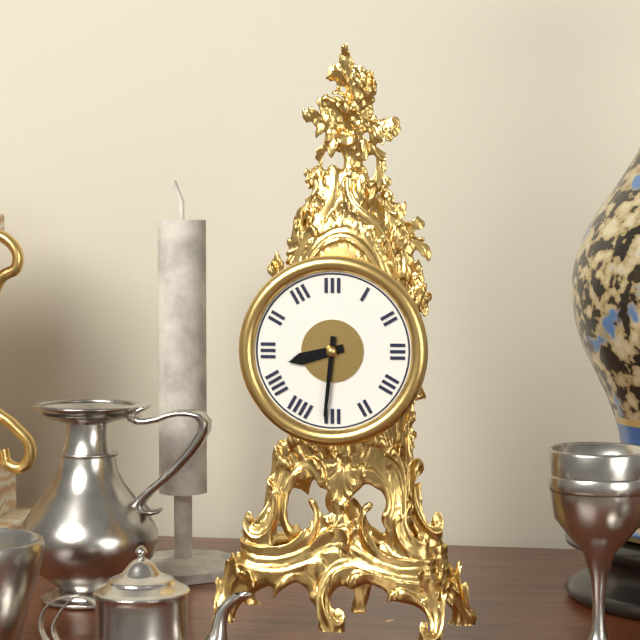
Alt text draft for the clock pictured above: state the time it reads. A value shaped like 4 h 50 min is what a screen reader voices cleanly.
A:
8 h 31 min
